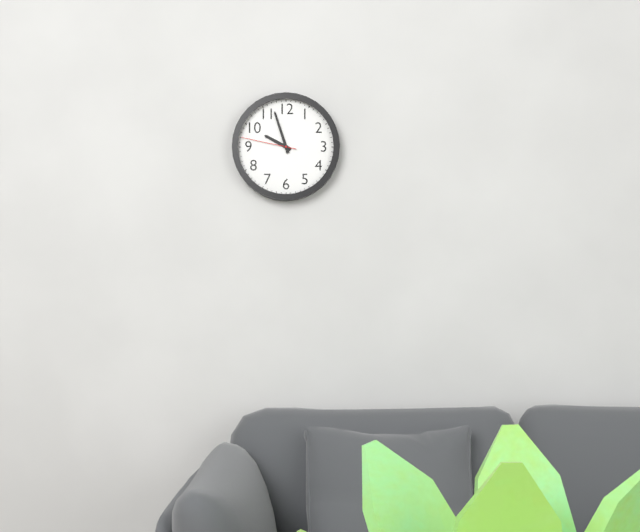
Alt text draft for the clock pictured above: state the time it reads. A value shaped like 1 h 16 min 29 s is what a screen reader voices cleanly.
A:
9 h 57 min 47 s
